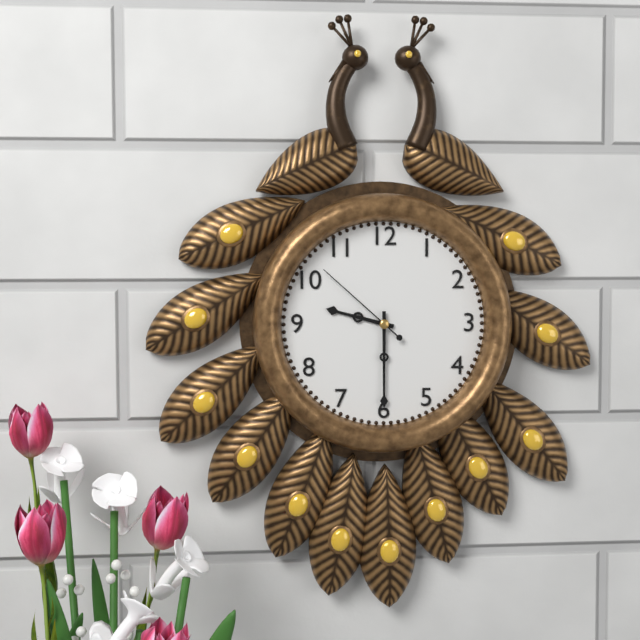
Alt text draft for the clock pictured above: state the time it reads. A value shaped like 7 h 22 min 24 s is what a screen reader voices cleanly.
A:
9 h 30 min 52 s
